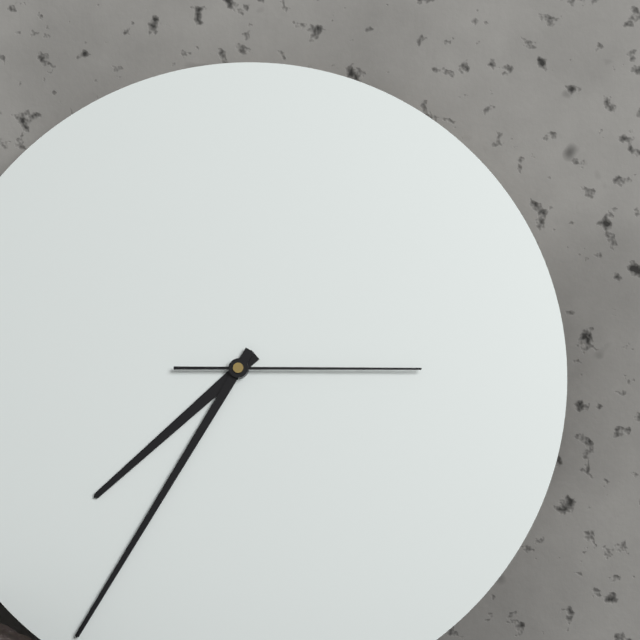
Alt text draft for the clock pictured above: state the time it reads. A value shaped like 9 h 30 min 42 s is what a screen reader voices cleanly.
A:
7 h 35 min 15 s
